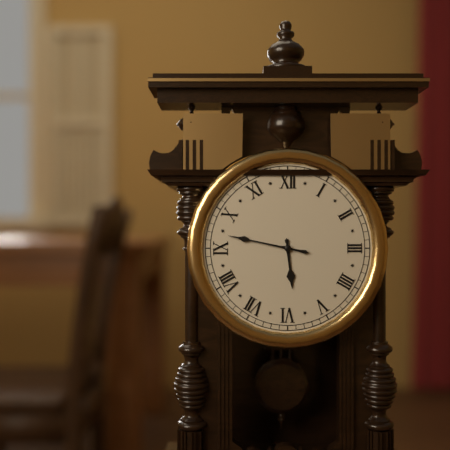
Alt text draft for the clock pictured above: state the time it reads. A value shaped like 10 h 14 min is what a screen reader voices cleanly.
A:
5 h 47 min
